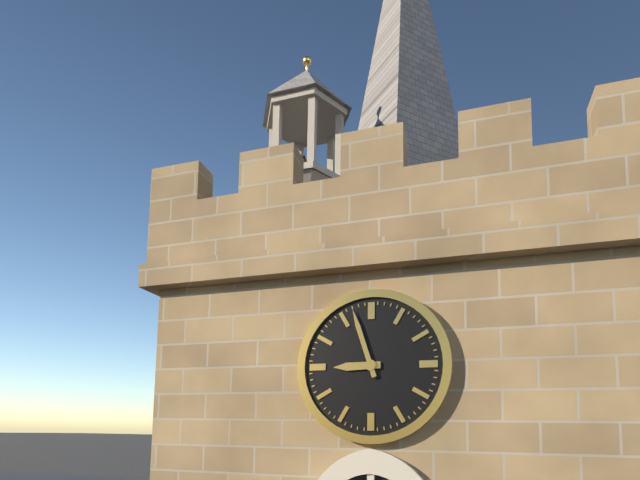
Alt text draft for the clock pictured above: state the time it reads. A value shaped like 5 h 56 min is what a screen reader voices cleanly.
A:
8 h 57 min
